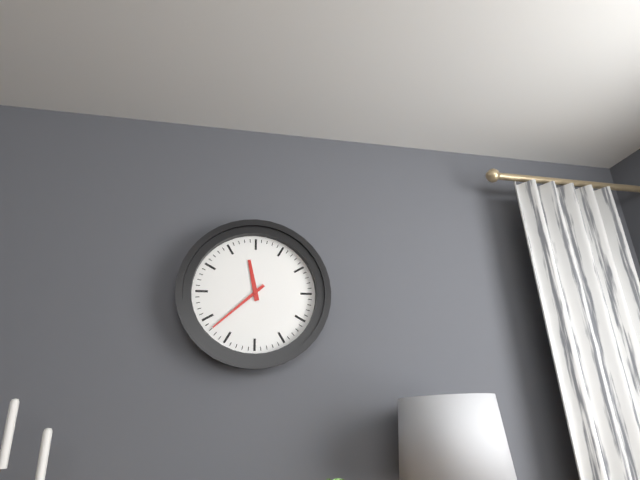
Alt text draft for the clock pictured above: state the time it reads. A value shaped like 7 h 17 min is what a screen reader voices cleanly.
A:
11 h 38 min
